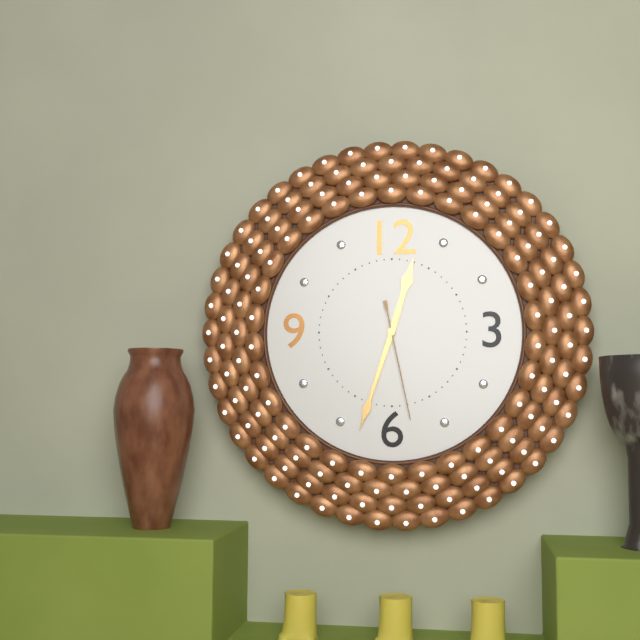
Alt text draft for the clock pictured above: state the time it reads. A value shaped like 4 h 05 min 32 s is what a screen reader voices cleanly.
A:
12 h 33 min 28 s
